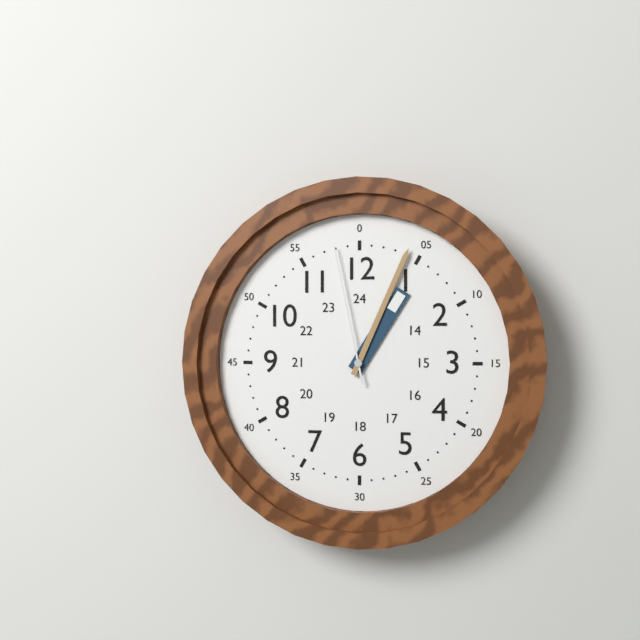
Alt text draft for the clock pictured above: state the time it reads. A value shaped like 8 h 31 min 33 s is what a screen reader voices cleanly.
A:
1 h 04 min 58 s
